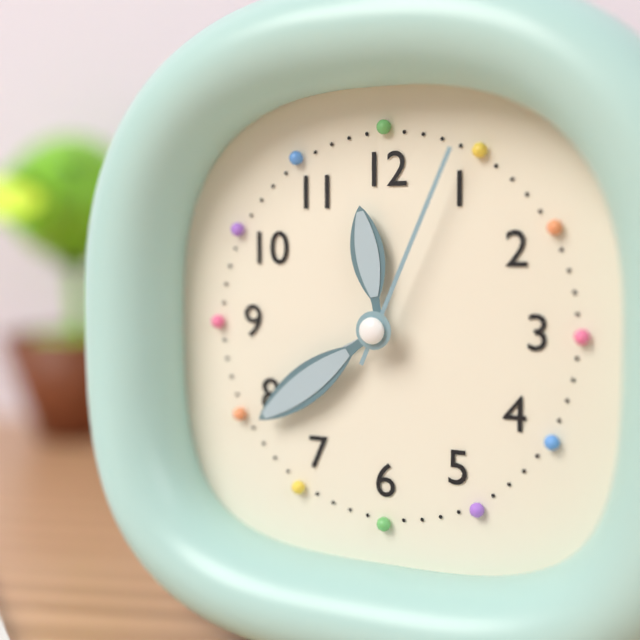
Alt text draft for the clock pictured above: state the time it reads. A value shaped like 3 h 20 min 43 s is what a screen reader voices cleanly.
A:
11 h 39 min 04 s
